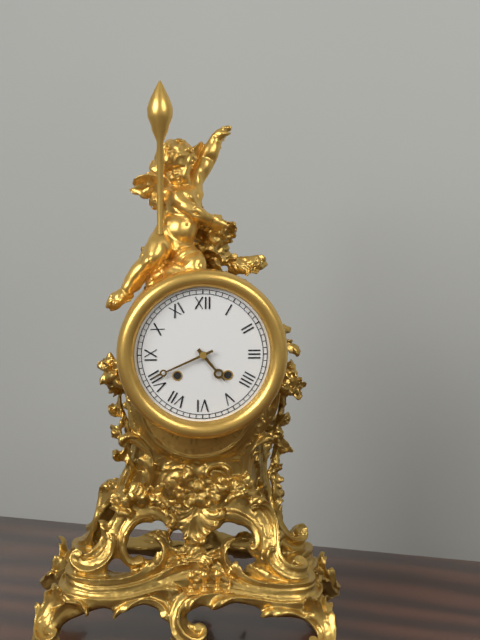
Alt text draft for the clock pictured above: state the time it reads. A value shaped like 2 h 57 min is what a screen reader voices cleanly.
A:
4 h 41 min
